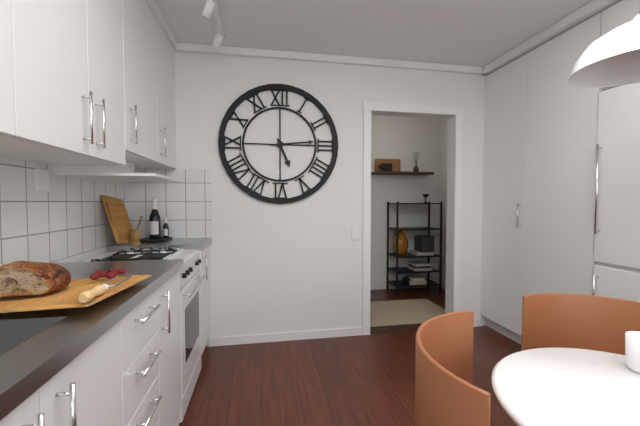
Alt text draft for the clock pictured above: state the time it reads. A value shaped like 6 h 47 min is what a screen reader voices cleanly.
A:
5 h 14 min
